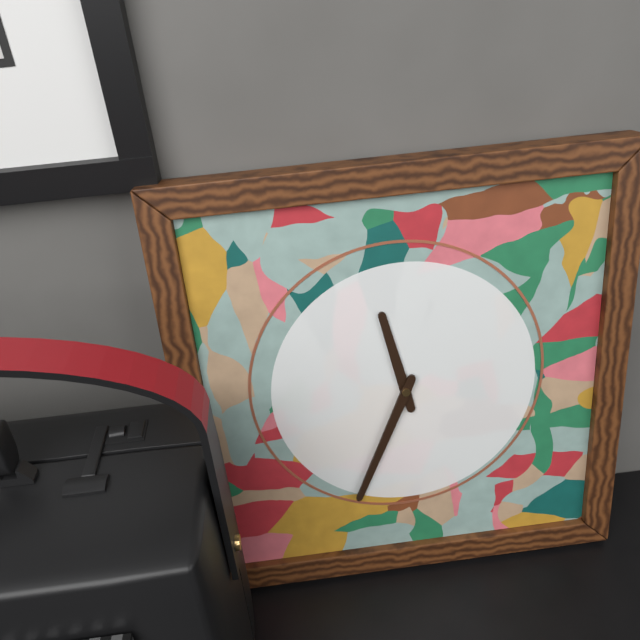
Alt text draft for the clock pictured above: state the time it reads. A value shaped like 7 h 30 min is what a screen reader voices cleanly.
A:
11 h 34 min
